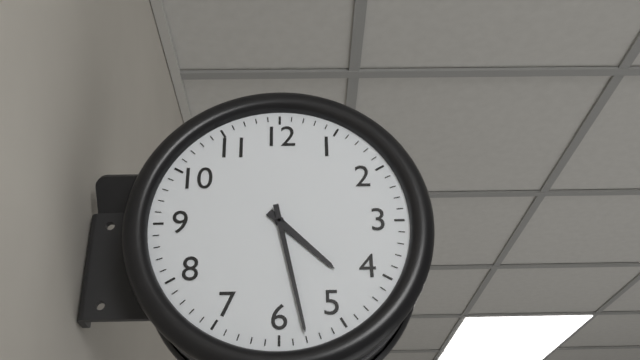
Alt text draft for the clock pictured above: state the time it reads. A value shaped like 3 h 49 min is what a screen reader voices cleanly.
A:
4 h 28 min
